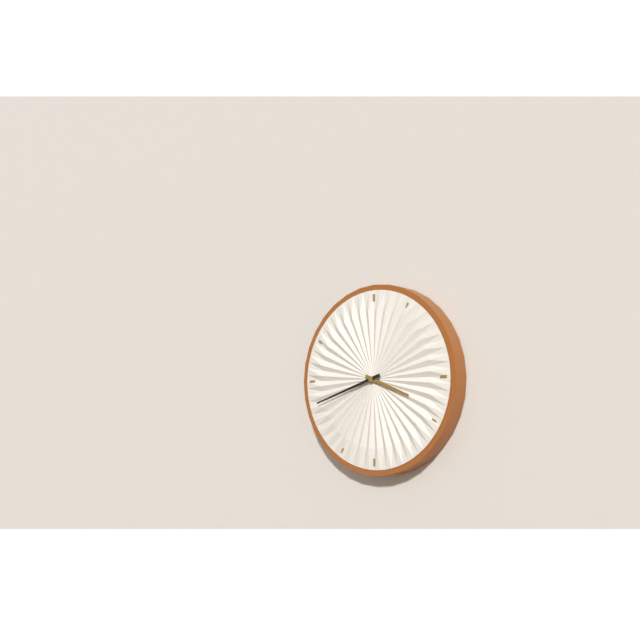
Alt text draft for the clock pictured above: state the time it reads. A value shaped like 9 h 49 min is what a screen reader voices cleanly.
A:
3 h 42 min
